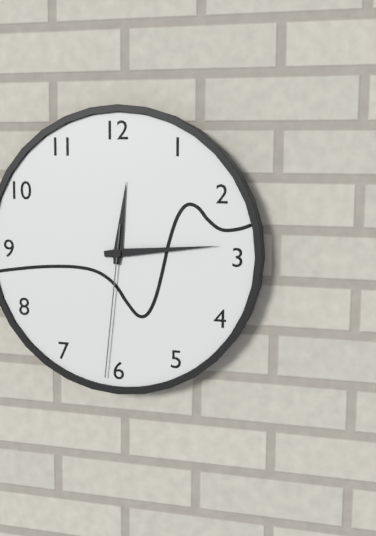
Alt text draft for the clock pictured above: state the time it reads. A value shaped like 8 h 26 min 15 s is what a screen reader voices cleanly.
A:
12 h 14 min 31 s
